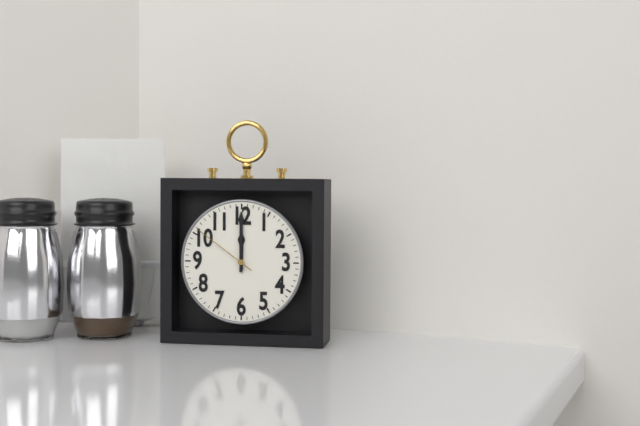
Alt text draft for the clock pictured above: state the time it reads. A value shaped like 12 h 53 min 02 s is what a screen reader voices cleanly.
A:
12 h 00 min 51 s
